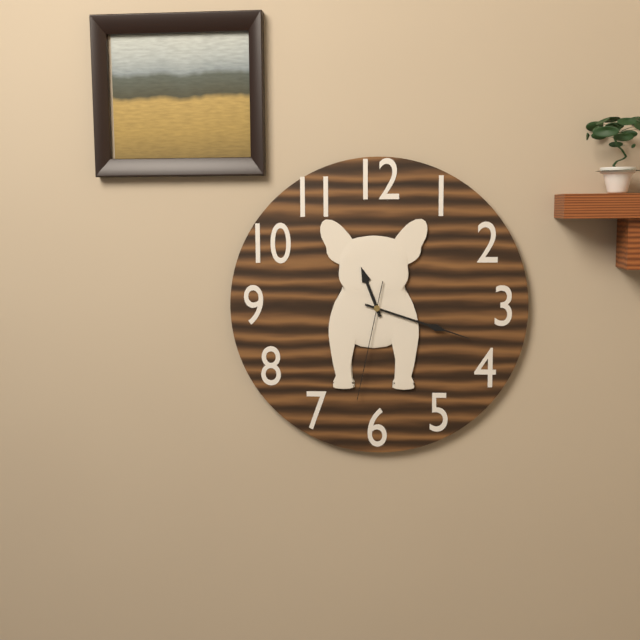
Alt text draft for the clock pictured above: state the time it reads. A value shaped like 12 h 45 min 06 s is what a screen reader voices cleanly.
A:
11 h 18 min 32 s
